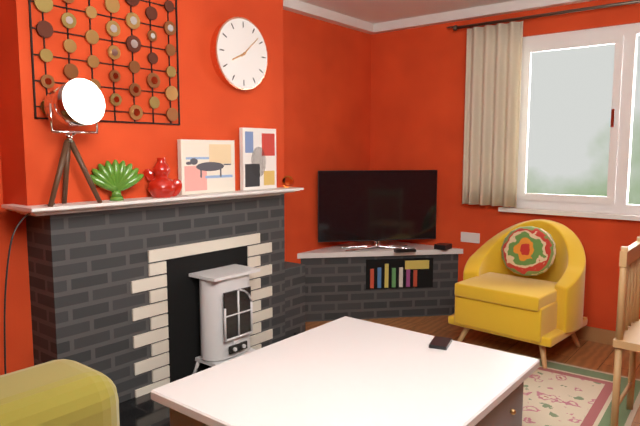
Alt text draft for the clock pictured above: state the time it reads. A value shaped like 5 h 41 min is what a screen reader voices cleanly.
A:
8 h 08 min
